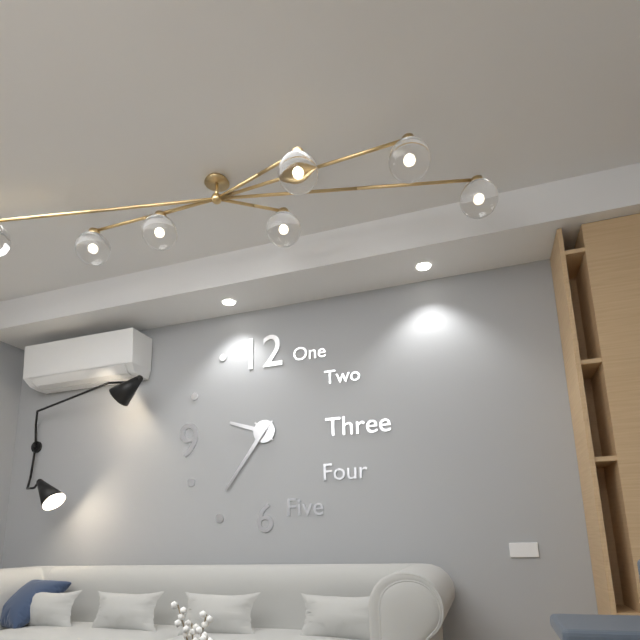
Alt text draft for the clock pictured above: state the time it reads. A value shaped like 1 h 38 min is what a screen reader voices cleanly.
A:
9 h 36 min
